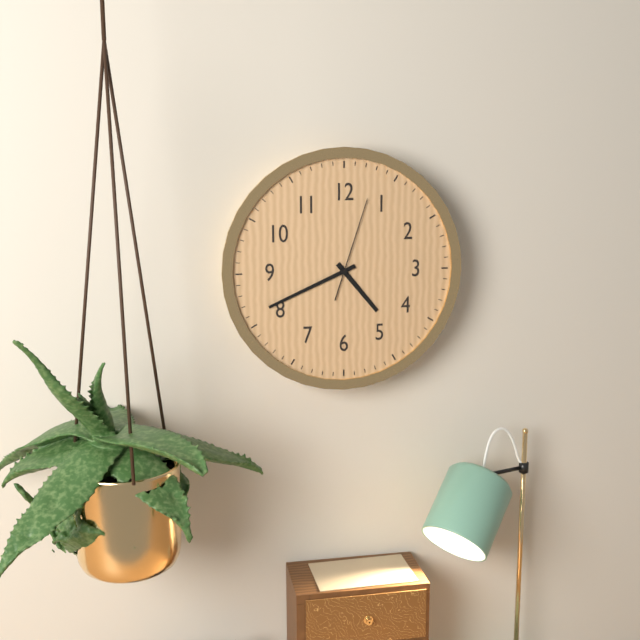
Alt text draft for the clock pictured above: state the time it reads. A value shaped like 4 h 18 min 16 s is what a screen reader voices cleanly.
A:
4 h 41 min 03 s
